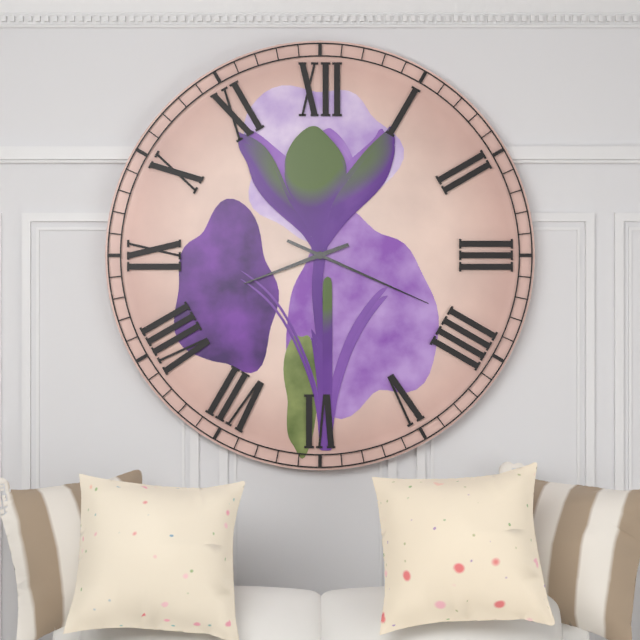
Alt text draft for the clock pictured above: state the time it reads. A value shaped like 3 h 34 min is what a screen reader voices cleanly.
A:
8 h 19 min
